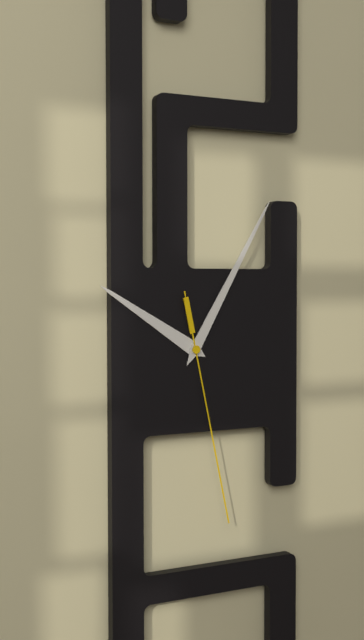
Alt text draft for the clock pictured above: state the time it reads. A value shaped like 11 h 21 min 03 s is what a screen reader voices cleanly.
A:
10 h 05 min 28 s
